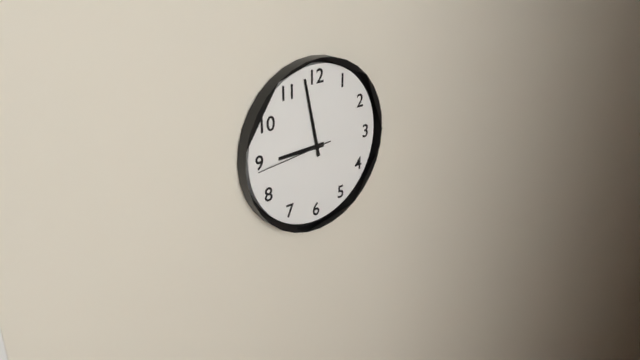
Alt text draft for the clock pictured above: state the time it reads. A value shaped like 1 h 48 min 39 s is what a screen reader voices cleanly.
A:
8 h 58 min 44 s
